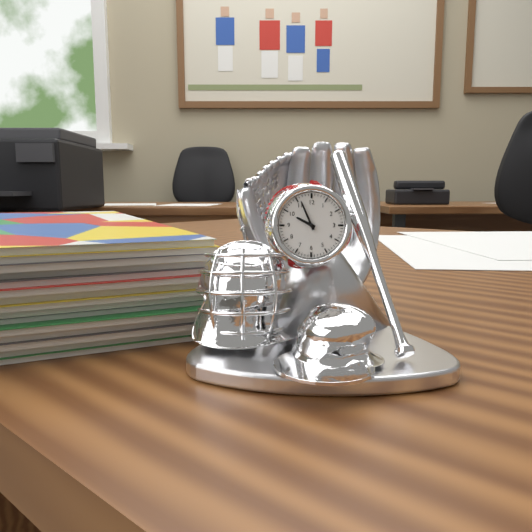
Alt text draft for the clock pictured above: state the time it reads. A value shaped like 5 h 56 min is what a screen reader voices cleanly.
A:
9 h 56 min
